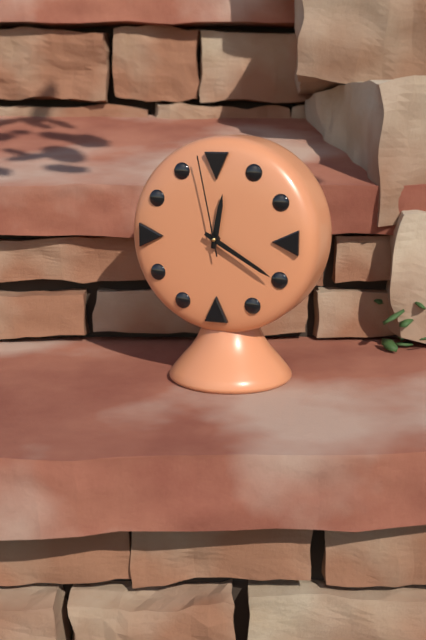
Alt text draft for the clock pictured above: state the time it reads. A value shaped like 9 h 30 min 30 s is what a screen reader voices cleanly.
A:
12 h 20 min 58 s
